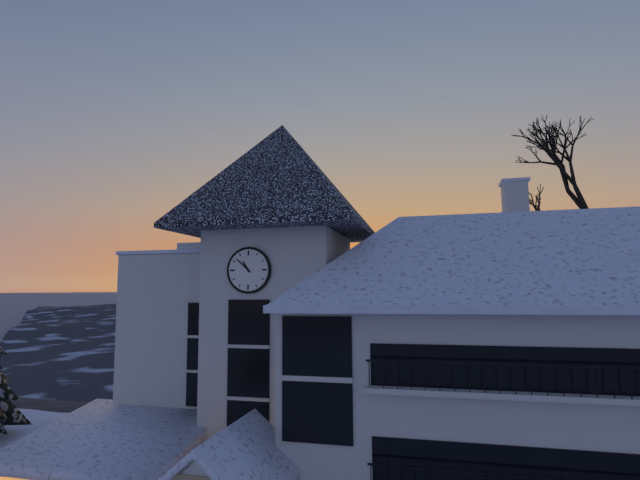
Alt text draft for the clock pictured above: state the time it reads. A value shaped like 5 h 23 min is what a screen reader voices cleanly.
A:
10 h 52 min
